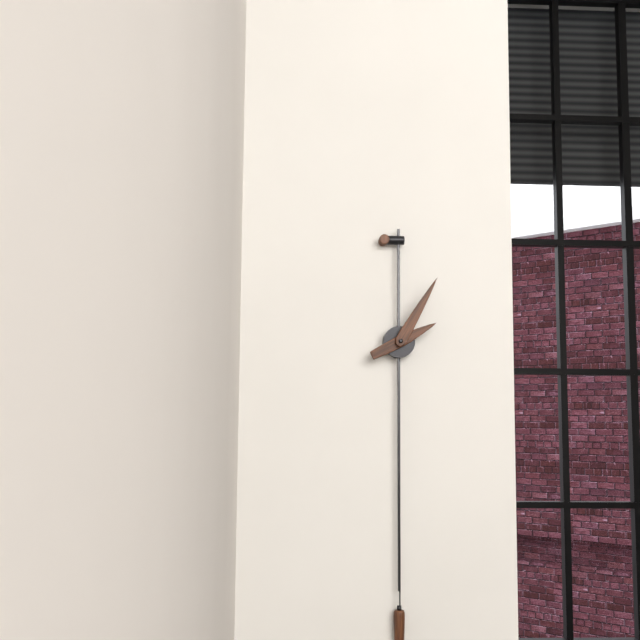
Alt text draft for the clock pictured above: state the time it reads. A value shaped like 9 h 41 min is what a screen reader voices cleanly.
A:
2 h 05 min
